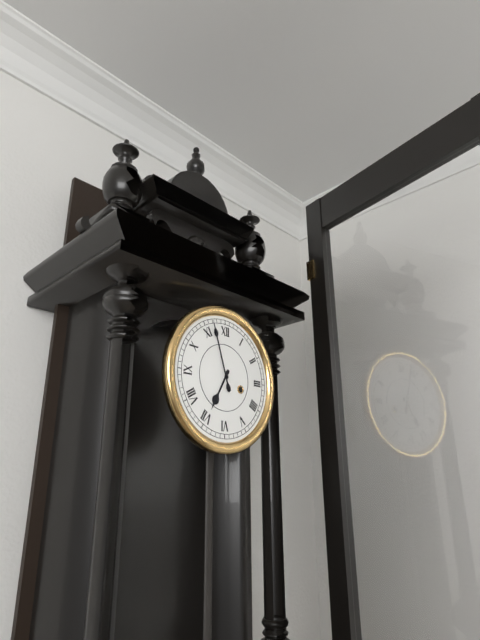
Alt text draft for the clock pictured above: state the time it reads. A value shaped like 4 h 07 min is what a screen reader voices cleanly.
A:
6 h 57 min
